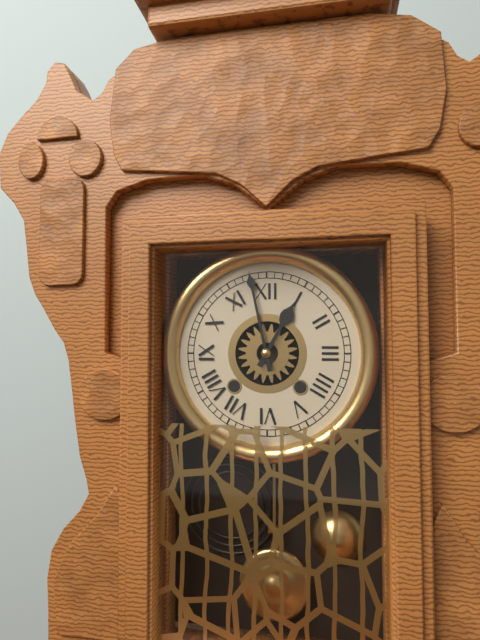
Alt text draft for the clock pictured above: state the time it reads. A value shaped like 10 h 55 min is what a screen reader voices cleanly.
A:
12 h 58 min
